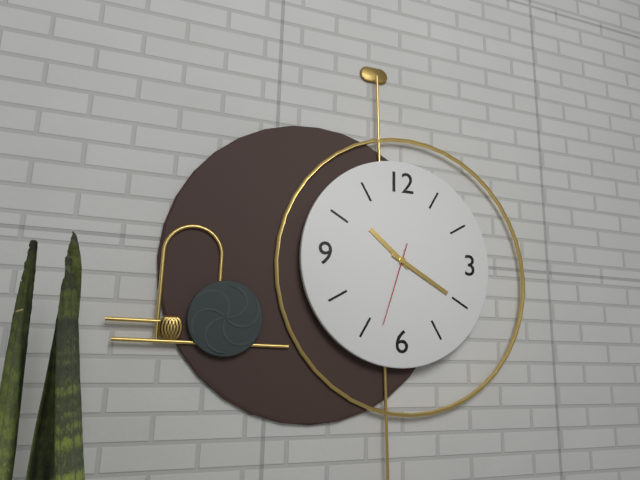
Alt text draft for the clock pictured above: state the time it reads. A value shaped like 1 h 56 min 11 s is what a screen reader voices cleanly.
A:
10 h 20 min 33 s
